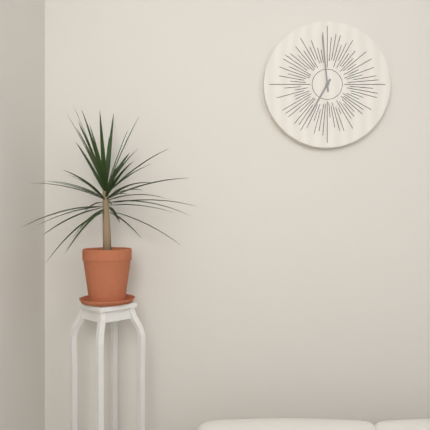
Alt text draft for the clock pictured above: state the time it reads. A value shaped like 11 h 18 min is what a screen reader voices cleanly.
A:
6 h 59 min
